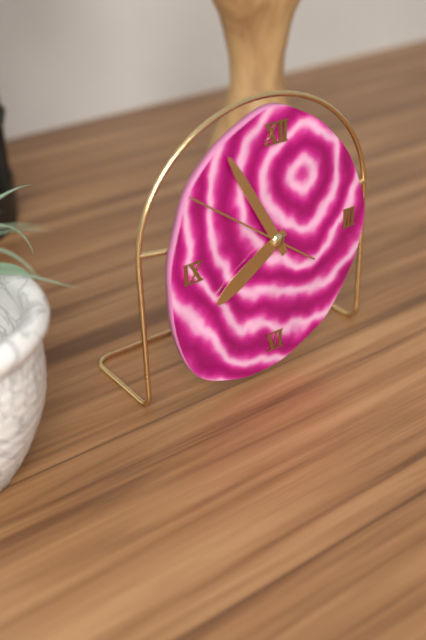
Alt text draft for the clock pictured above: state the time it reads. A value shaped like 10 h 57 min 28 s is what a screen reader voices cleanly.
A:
7 h 55 min 51 s
